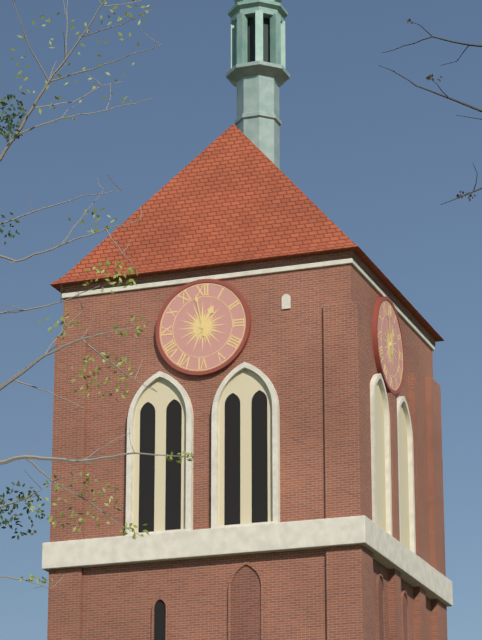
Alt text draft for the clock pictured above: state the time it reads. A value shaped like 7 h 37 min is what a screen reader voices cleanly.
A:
12 h 58 min
